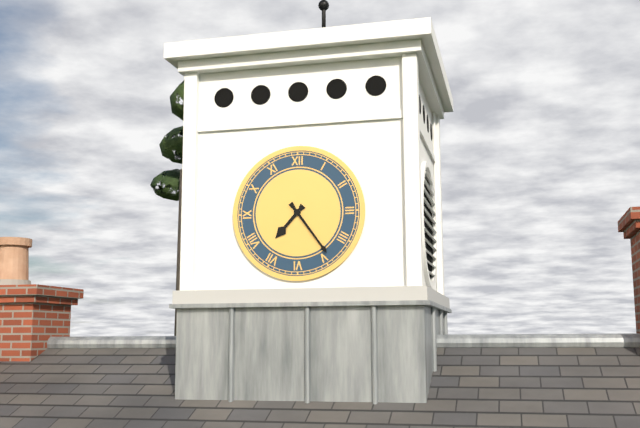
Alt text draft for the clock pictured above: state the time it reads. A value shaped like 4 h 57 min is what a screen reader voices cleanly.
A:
7 h 24 min
